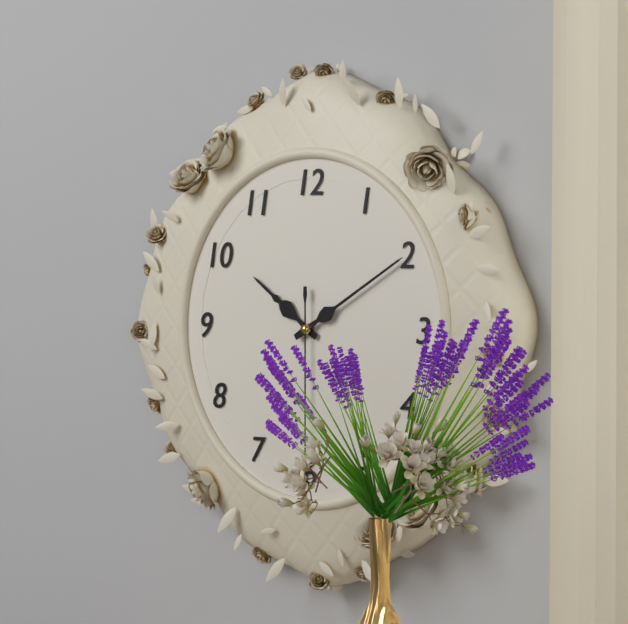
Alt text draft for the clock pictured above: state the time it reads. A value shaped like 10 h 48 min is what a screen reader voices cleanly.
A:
10 h 10 min
